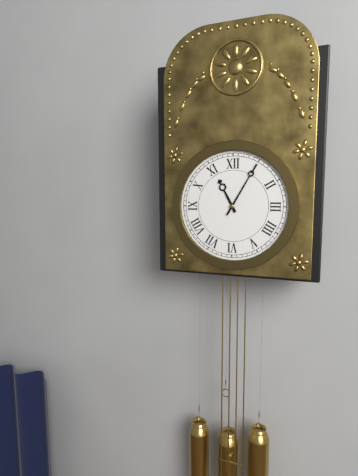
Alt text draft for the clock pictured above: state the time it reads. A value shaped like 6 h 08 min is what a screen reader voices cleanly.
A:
11 h 05 min
